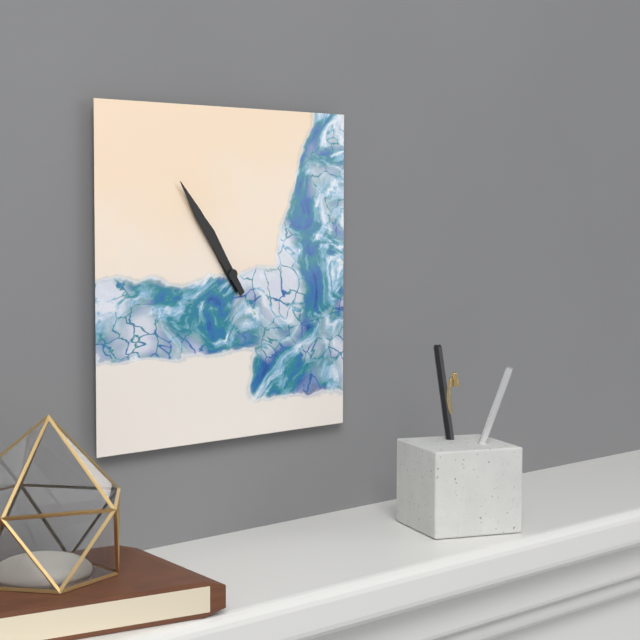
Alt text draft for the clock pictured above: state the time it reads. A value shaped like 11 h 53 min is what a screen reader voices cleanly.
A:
10 h 54 min
